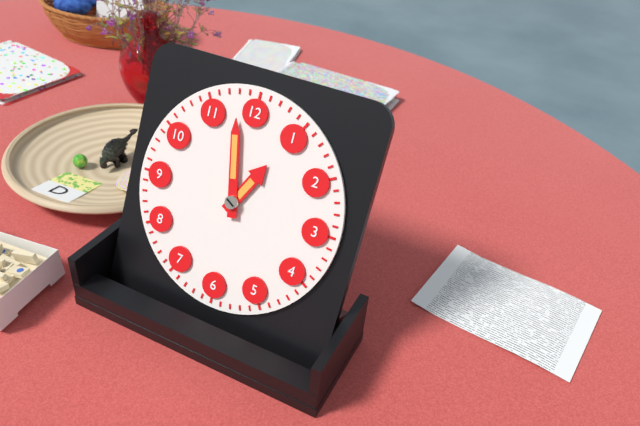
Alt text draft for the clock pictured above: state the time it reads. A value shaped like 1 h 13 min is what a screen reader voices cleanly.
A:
12 h 58 min
